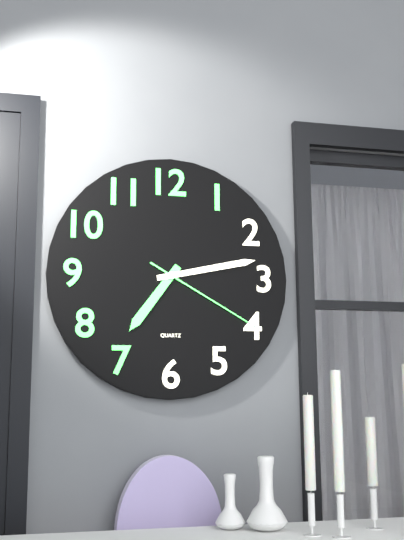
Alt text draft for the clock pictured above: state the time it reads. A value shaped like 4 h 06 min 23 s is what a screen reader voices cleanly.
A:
7 h 13 min 20 s
